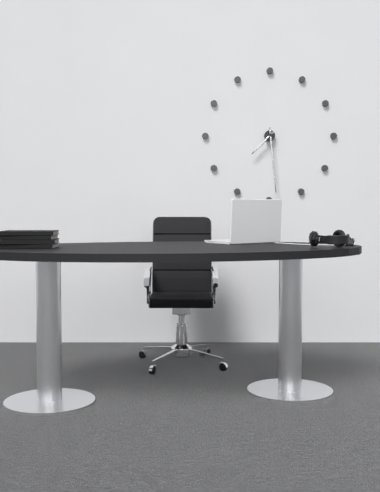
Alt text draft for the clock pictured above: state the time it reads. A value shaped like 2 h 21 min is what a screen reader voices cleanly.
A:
7 h 29 min
